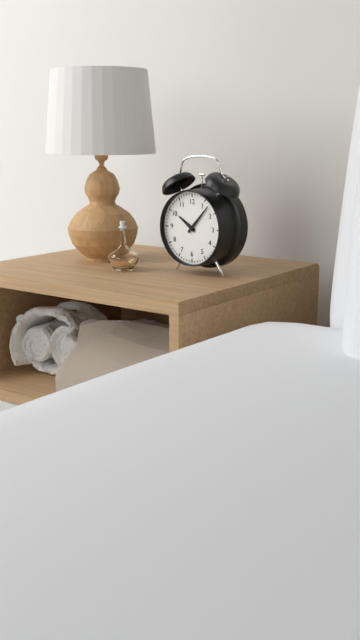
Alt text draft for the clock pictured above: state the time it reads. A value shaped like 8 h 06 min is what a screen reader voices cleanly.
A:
10 h 07 min
